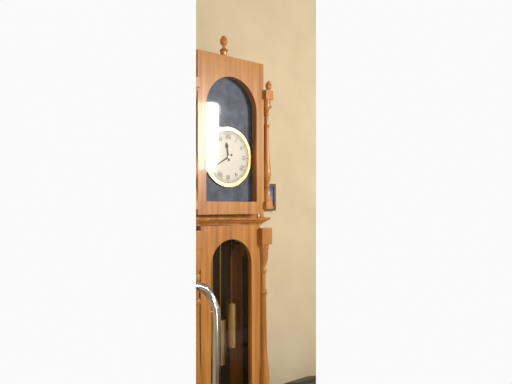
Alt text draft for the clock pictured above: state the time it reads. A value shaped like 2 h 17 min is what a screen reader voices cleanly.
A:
11 h 40 min
